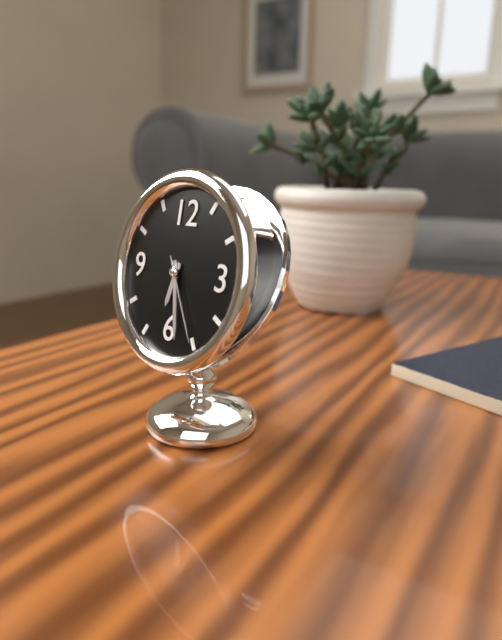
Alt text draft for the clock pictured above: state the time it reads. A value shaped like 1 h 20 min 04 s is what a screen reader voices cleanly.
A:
6 h 28 min 25 s
